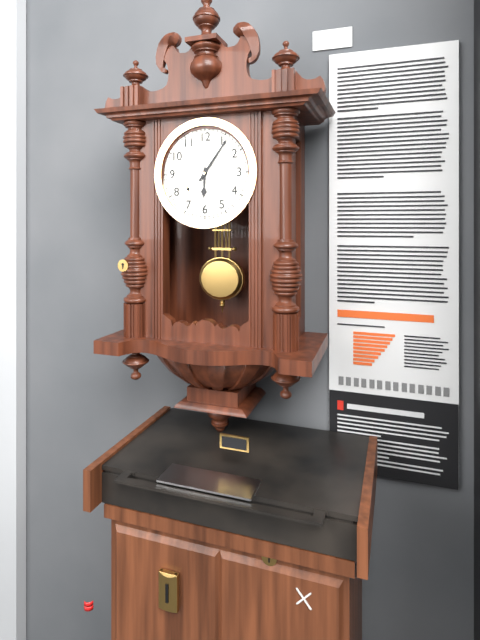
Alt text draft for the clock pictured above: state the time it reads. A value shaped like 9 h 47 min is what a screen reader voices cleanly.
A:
6 h 06 min
